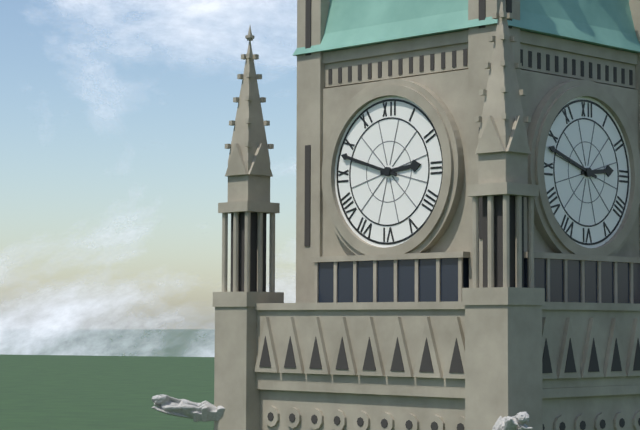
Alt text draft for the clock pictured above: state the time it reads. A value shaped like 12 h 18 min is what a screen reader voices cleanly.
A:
2 h 48 min
